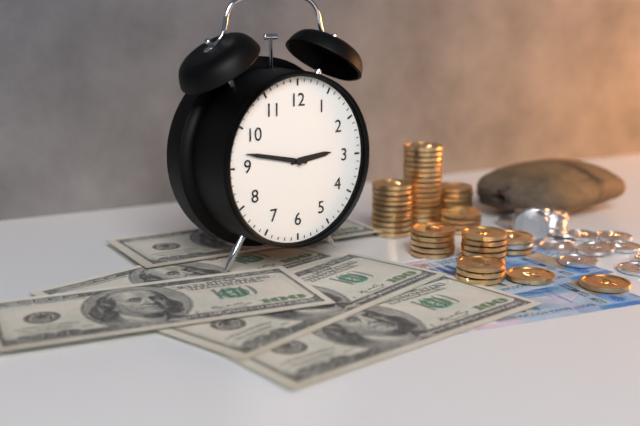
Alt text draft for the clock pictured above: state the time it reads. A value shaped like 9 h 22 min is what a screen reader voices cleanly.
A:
2 h 47 min
